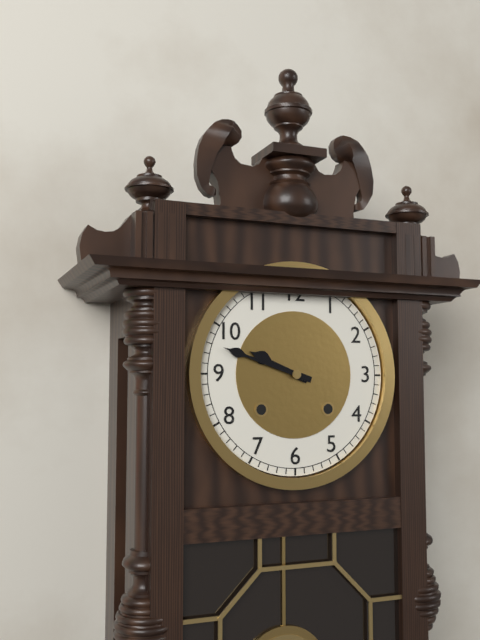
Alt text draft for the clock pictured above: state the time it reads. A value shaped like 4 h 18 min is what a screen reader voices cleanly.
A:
9 h 48 min
